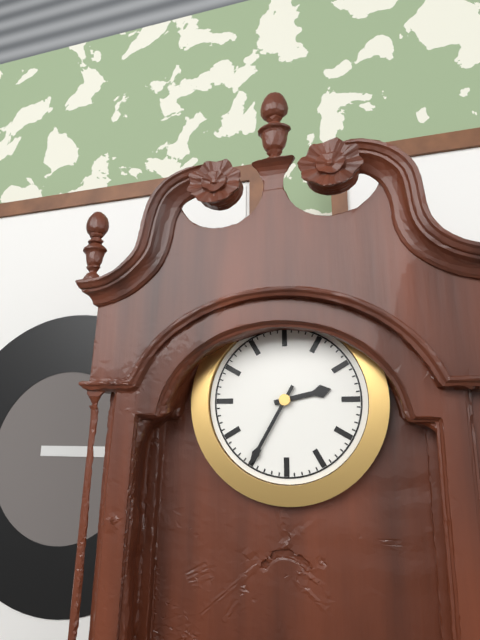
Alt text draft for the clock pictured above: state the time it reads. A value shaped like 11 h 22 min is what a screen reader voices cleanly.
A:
2 h 35 min
